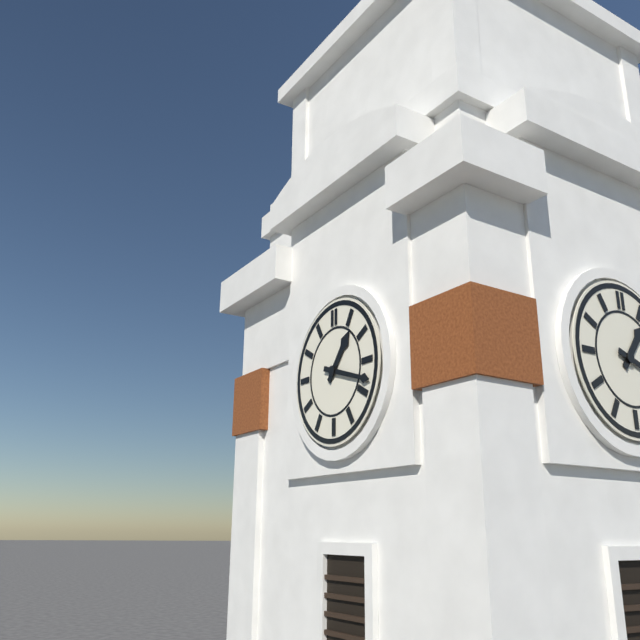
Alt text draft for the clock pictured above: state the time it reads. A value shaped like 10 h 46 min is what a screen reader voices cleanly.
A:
1 h 18 min
